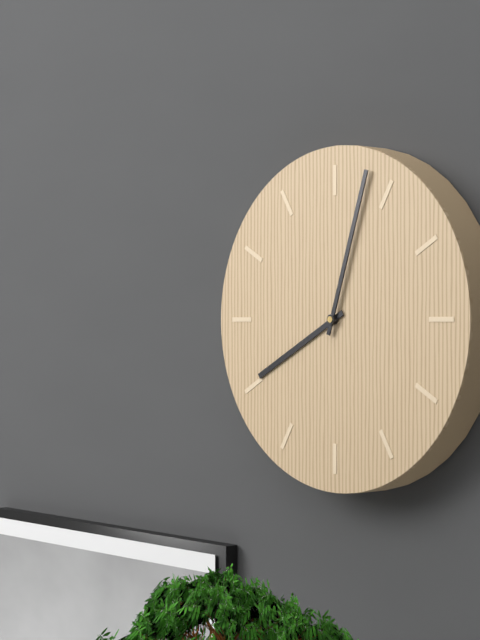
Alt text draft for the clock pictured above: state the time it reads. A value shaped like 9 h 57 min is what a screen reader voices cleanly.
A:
8 h 03 min
